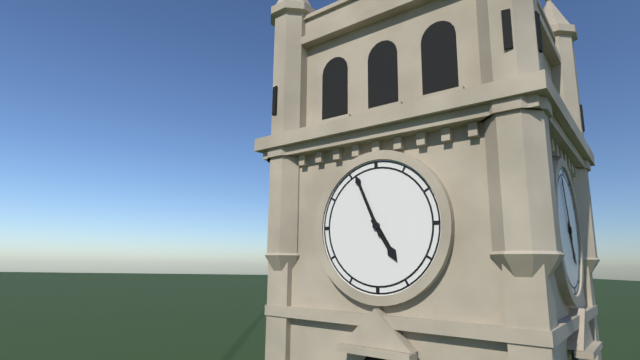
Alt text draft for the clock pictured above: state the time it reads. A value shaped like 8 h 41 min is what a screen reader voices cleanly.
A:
4 h 56 min
